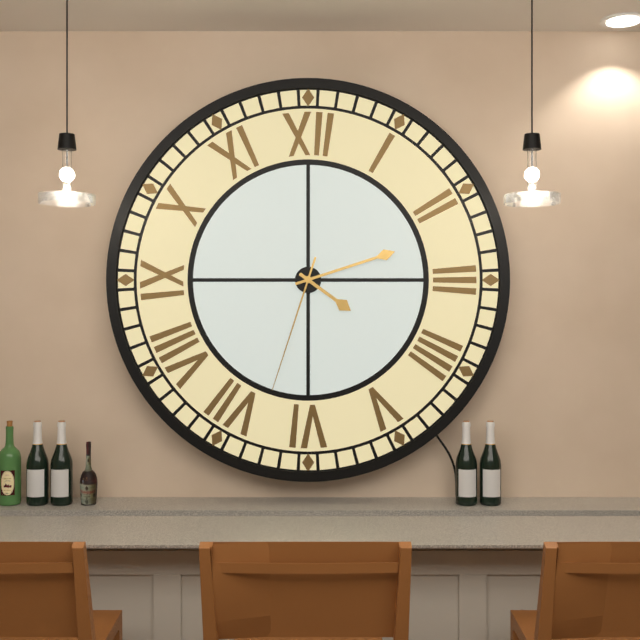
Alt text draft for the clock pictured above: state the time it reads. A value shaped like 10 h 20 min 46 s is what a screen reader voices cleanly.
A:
4 h 12 min 33 s
